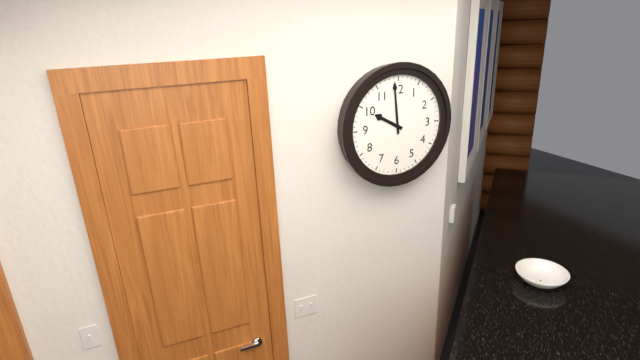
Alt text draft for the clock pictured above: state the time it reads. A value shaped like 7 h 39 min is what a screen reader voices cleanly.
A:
9 h 59 min
